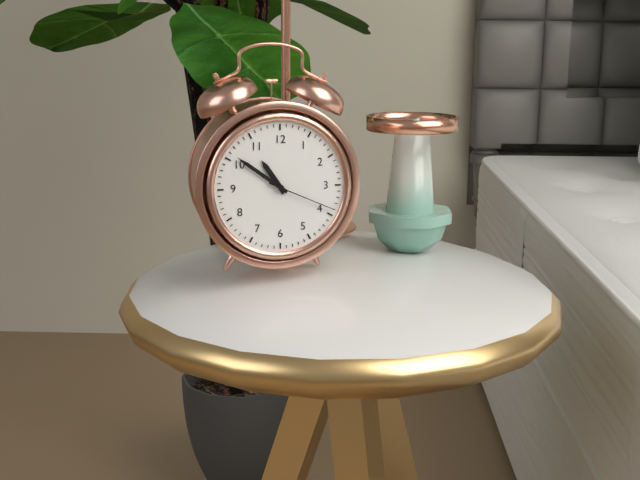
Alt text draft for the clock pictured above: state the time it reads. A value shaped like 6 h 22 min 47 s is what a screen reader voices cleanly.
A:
10 h 51 min 19 s
